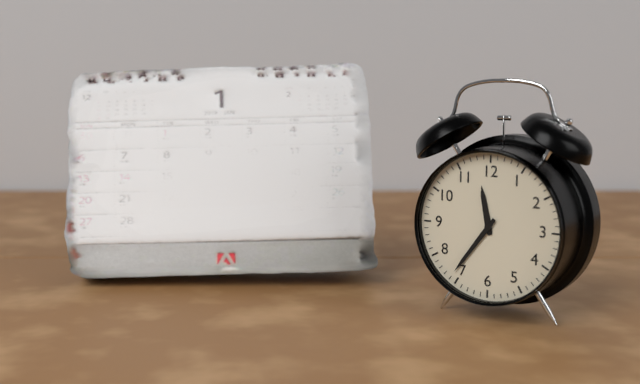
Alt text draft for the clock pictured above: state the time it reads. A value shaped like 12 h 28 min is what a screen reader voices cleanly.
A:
11 h 36 min
